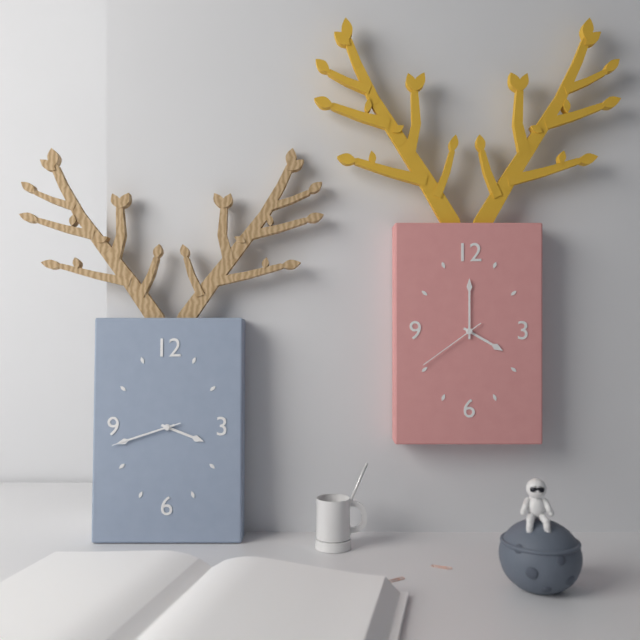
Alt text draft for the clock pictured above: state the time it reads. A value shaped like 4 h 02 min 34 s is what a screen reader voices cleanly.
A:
3 h 42 min 42 s
